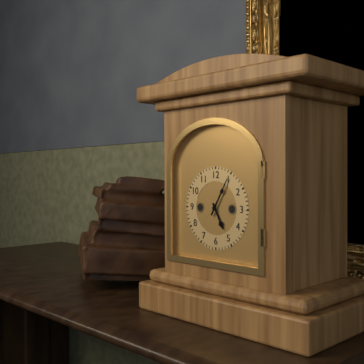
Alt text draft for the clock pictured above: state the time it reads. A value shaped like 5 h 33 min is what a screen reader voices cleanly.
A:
5 h 05 min
